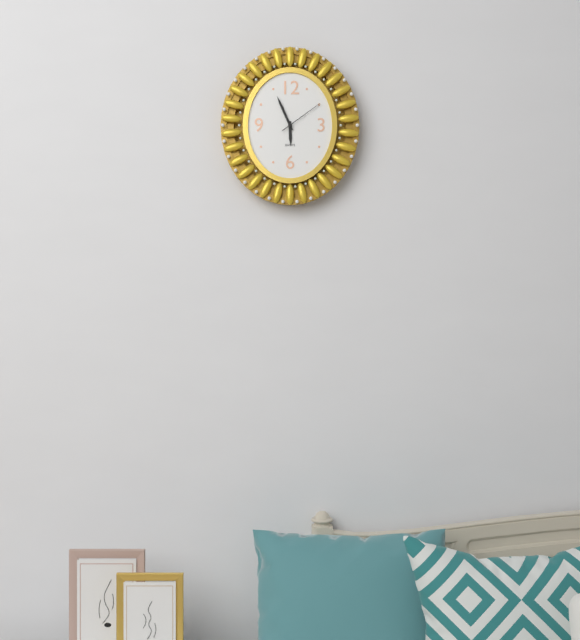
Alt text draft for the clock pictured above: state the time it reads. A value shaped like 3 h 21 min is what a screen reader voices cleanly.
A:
5 h 56 min
